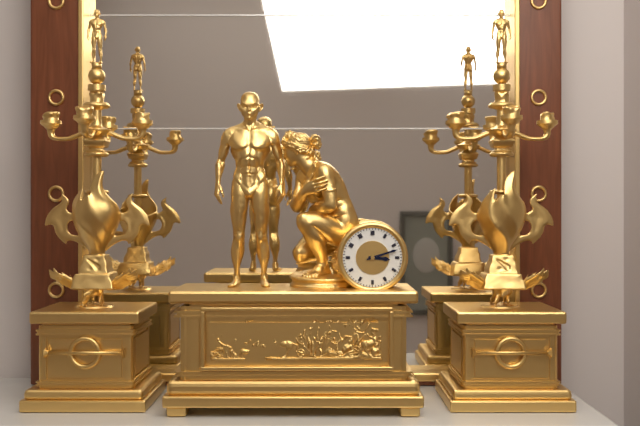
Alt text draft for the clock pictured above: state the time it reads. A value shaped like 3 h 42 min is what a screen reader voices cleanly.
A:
3 h 12 min
